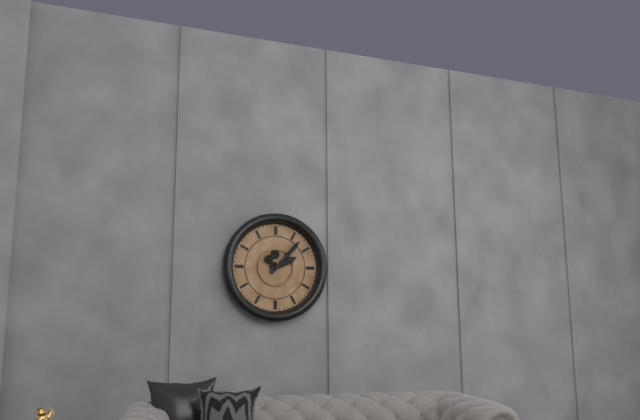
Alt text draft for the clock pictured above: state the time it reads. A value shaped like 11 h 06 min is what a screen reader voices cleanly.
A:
2 h 07 min
